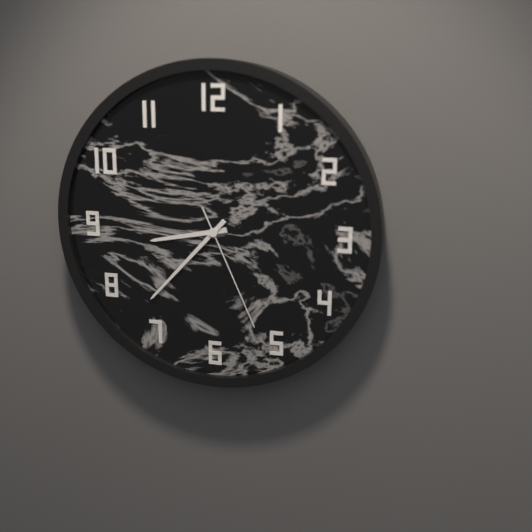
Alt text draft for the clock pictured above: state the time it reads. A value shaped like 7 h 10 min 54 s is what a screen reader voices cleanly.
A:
8 h 37 min 26 s
